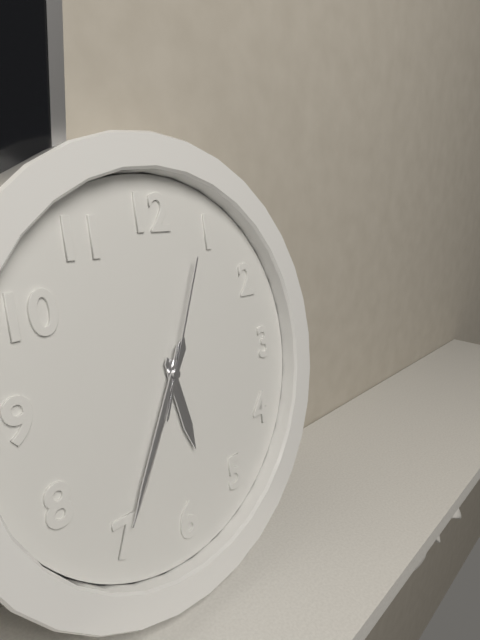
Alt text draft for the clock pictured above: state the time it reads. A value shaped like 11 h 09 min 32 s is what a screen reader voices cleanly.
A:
5 h 35 min 04 s
